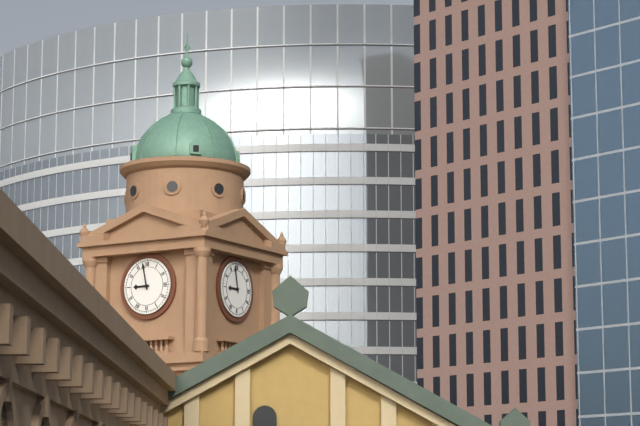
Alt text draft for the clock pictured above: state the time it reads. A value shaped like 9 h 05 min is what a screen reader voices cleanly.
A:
8 h 58 min
